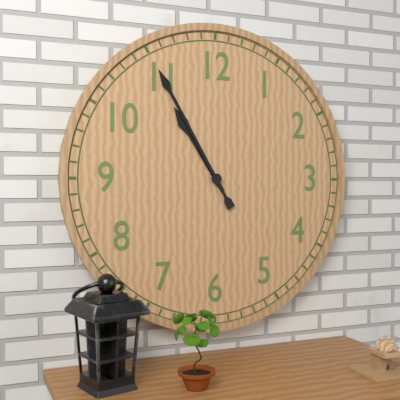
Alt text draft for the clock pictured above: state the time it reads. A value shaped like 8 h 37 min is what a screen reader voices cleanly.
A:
10 h 55 min
